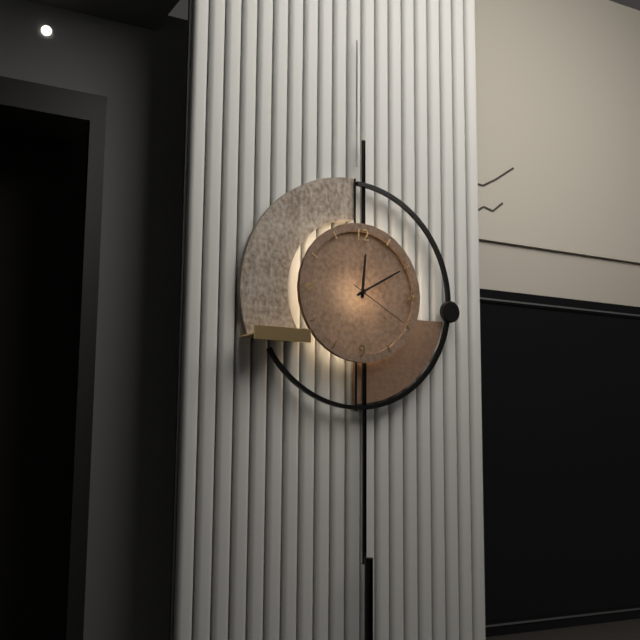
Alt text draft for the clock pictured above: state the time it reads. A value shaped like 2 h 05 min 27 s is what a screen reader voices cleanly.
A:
12 h 10 min 20 s
